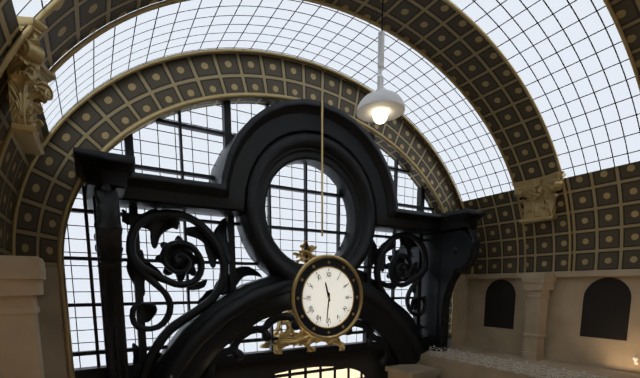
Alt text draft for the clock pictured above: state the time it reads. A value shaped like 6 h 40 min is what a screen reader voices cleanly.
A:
11 h 31 min
